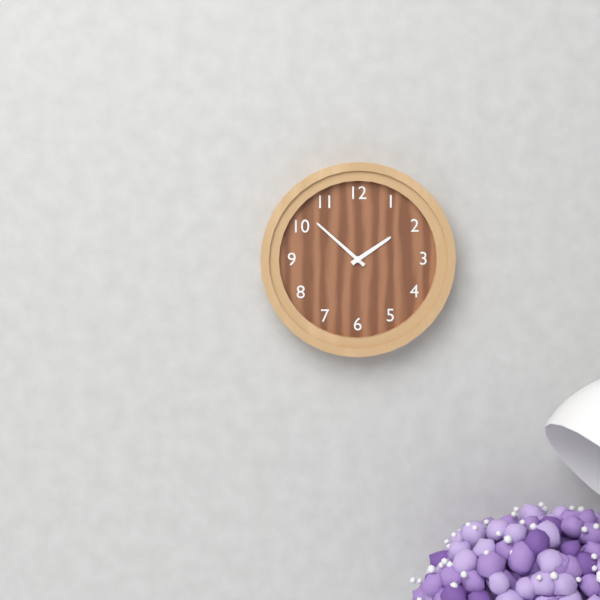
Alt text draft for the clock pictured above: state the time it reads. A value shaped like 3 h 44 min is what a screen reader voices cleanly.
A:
1 h 52 min
